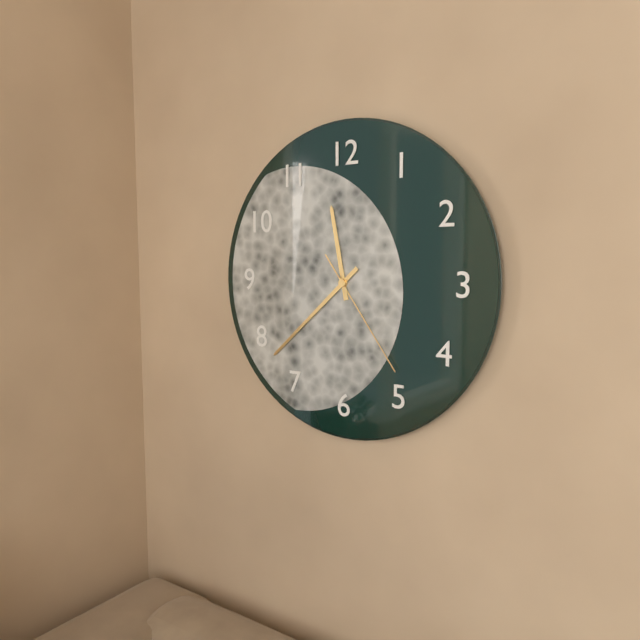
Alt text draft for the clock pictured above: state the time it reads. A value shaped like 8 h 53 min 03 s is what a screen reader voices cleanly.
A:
11 h 38 min 24 s
